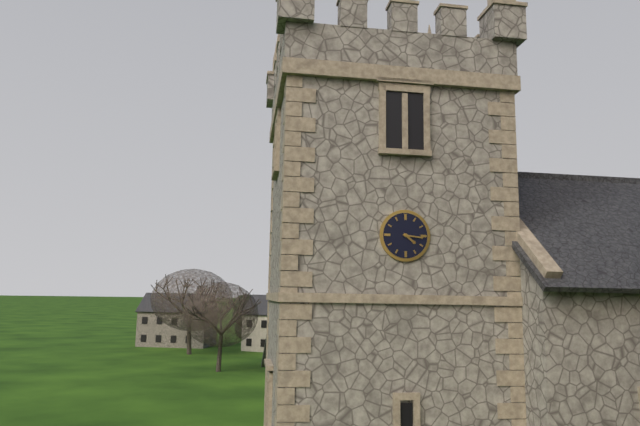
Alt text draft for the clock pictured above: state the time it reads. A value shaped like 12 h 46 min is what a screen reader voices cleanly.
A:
4 h 16 min
